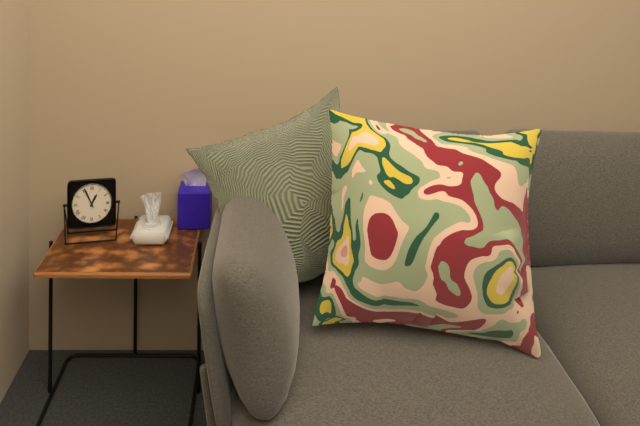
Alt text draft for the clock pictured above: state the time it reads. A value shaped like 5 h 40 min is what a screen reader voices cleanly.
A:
12 h 56 min
